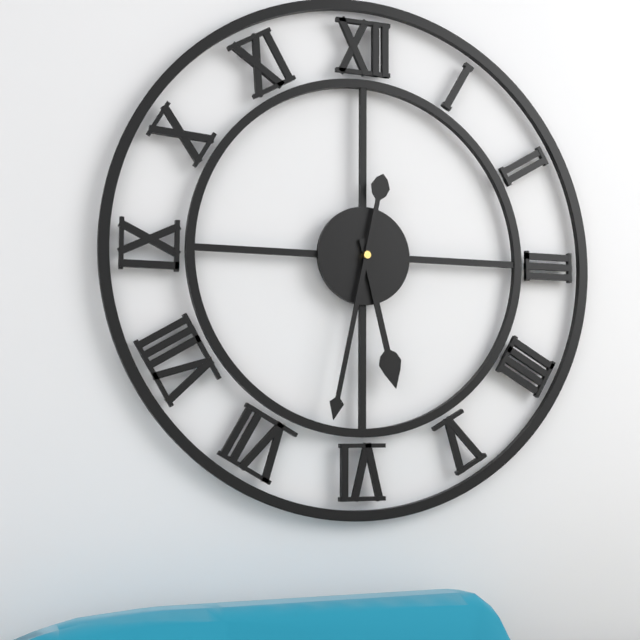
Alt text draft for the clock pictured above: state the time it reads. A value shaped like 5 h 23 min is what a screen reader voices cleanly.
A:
5 h 32 min
